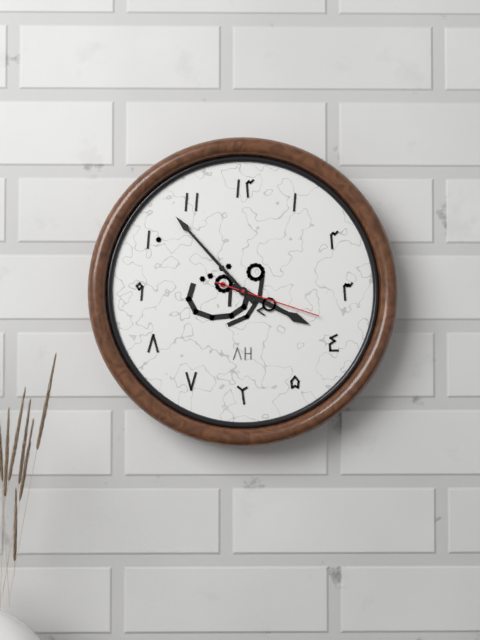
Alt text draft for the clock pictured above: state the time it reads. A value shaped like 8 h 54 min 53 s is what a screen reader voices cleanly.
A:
3 h 53 min 18 s
